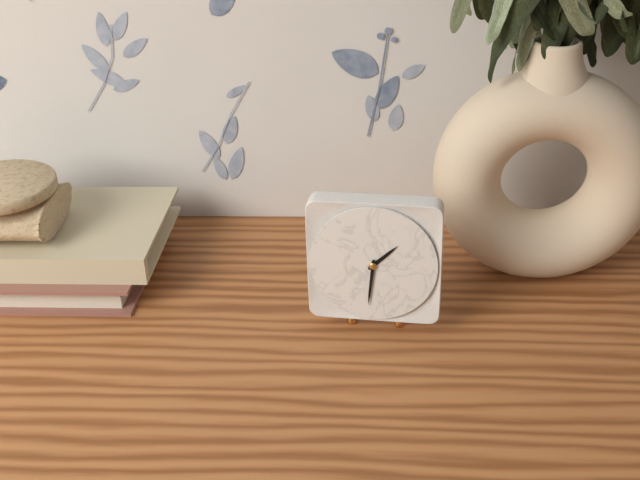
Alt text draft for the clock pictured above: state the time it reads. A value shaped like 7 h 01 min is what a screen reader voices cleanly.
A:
1 h 31 min
